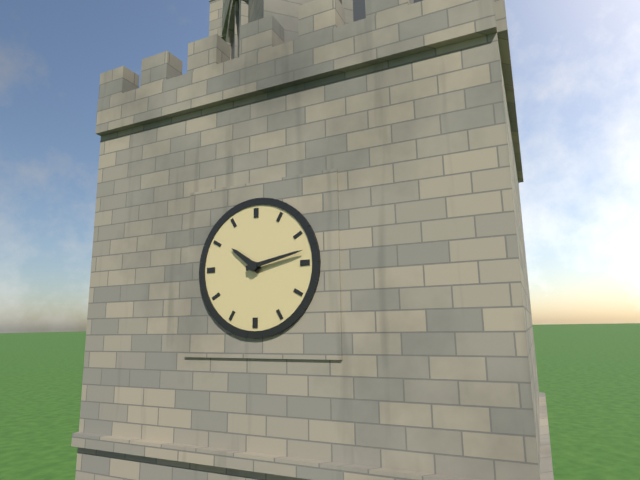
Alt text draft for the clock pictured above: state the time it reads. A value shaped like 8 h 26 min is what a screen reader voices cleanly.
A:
10 h 13 min
